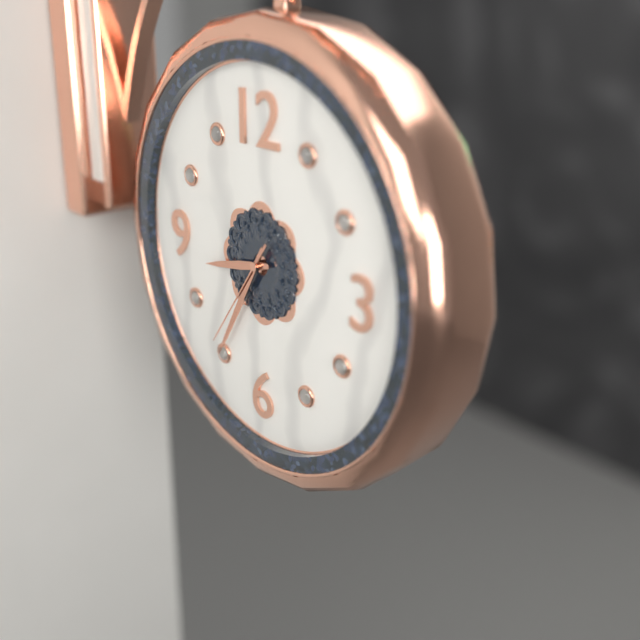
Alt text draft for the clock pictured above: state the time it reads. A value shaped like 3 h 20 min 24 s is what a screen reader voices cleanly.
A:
8 h 35 min 36 s
